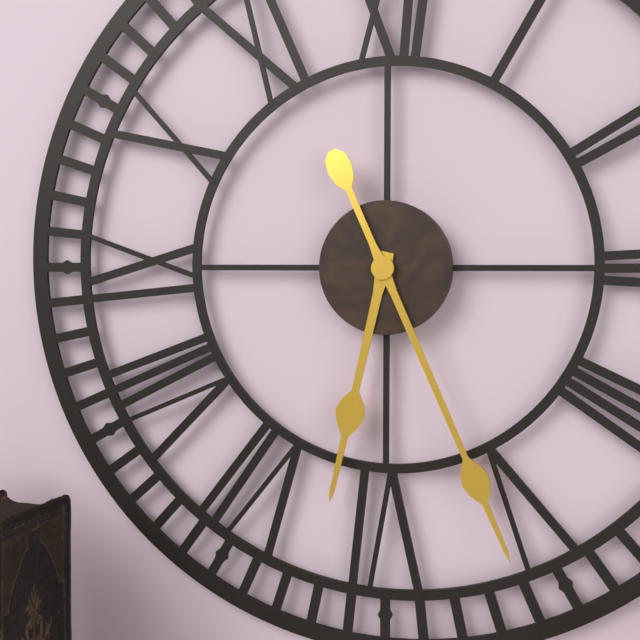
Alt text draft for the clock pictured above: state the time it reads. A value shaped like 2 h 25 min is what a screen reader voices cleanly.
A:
6 h 26 min
